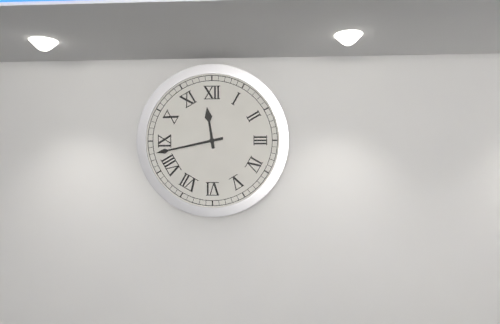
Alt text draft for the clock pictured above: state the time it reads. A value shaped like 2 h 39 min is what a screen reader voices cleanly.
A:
11 h 43 min
